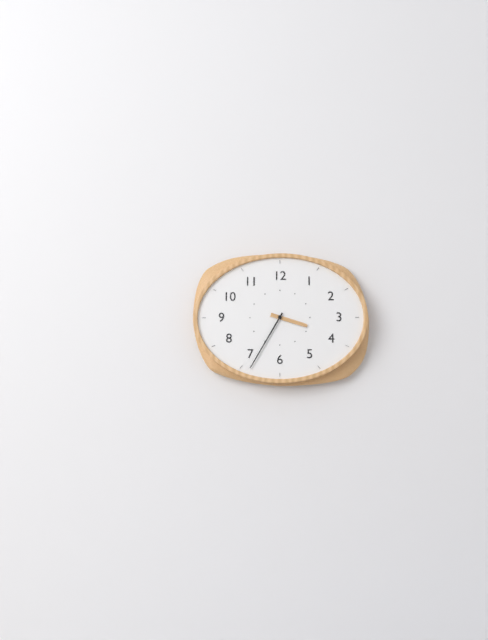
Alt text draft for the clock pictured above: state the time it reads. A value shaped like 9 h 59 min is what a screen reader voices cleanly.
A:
3 h 35 min
